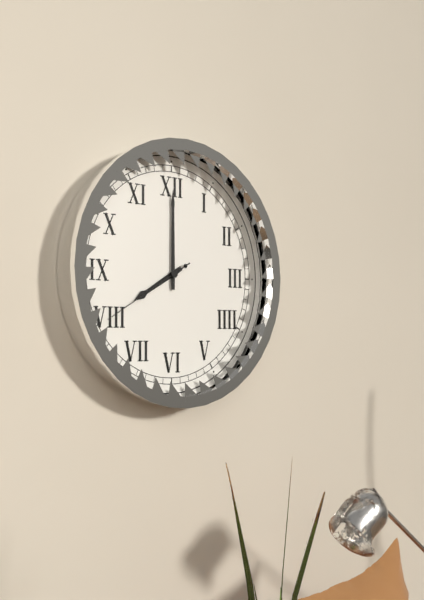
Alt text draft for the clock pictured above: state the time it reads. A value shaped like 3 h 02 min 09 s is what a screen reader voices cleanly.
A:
8 h 00 min 40 s
